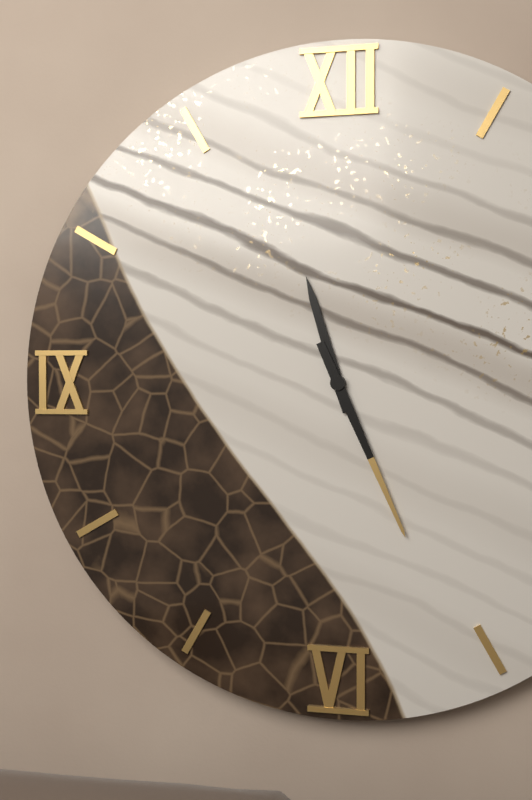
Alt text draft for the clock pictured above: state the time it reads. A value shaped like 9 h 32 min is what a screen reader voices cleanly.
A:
11 h 26 min
